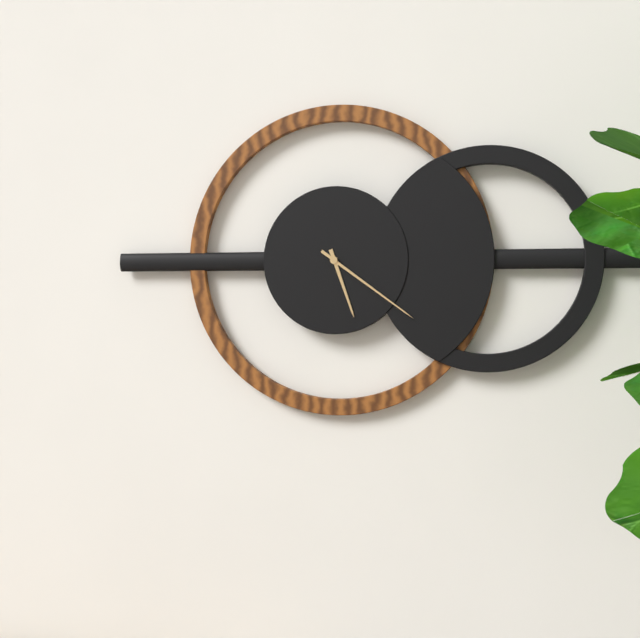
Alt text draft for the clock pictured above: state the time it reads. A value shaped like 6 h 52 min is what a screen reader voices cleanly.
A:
5 h 21 min
